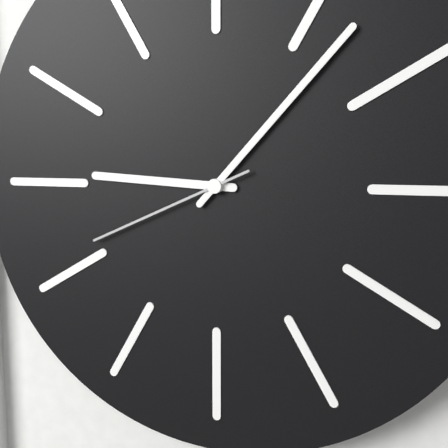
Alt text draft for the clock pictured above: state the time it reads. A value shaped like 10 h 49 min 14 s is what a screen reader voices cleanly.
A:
9 h 07 min 41 s
